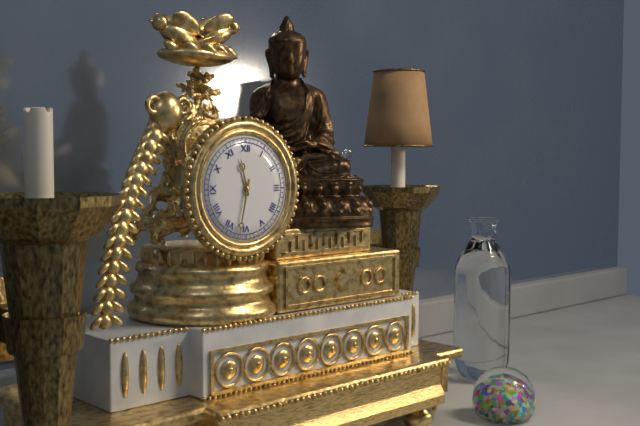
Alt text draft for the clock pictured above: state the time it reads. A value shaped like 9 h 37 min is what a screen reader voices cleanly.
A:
11 h 32 min
